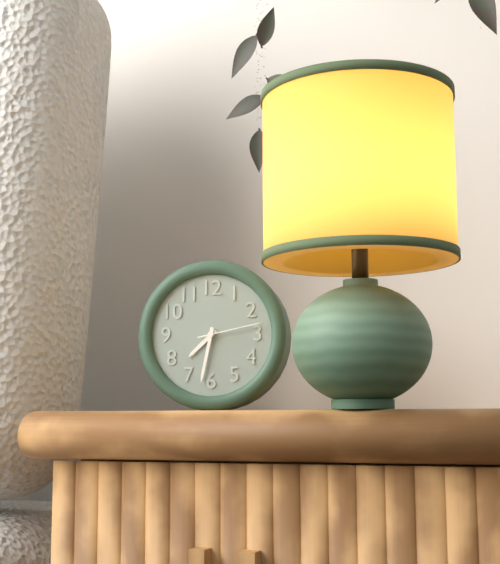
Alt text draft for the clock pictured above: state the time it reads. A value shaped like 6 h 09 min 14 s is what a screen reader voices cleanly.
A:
7 h 32 min 13 s
